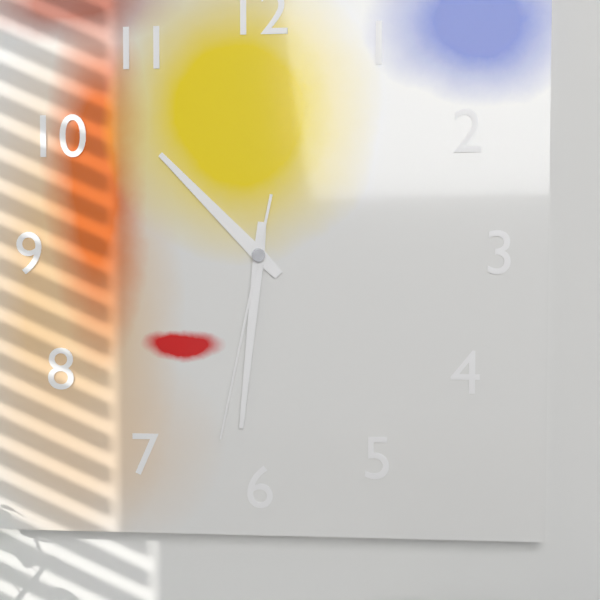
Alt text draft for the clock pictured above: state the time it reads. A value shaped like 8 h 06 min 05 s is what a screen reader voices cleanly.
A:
10 h 31 min 32 s
